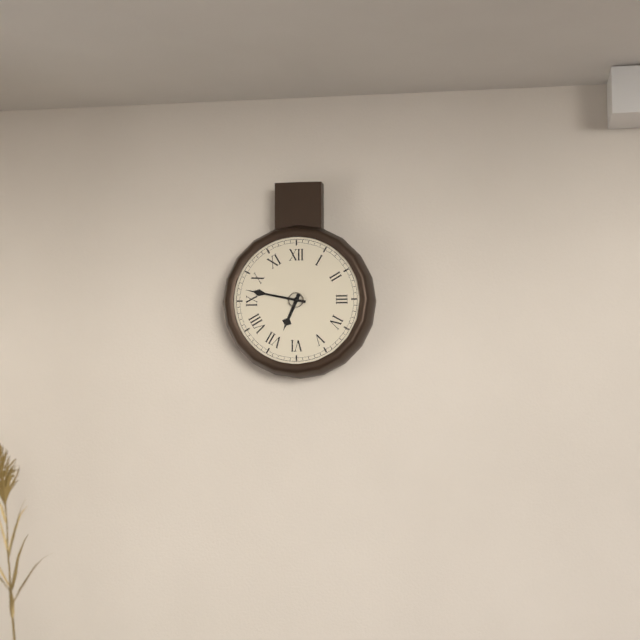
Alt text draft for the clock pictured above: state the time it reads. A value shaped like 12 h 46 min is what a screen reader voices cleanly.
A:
6 h 47 min
